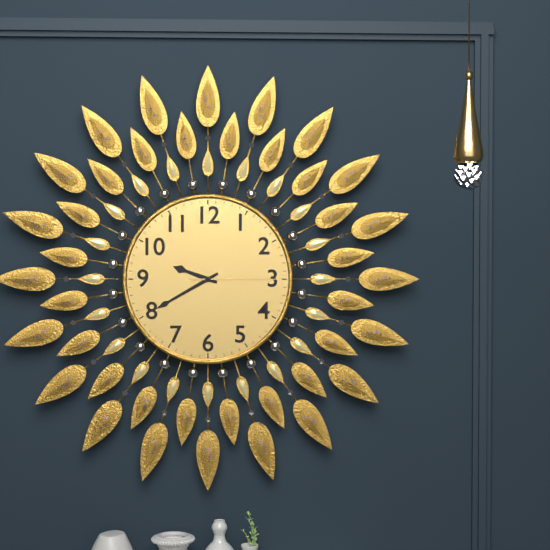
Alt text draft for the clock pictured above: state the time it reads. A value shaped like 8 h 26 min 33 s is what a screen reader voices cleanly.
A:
9 h 40 min 15 s
